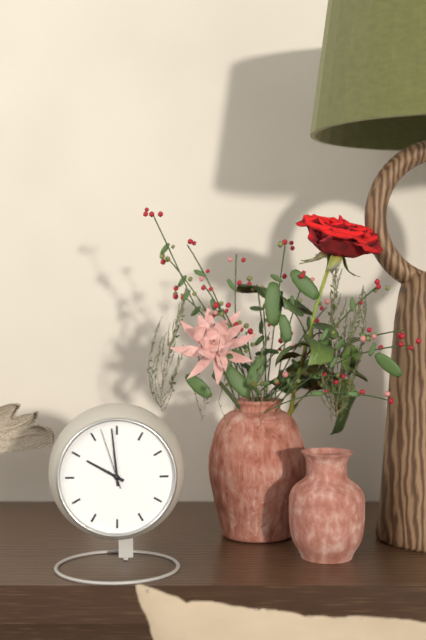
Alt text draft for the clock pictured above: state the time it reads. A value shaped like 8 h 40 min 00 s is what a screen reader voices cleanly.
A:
9 h 59 min 57 s
